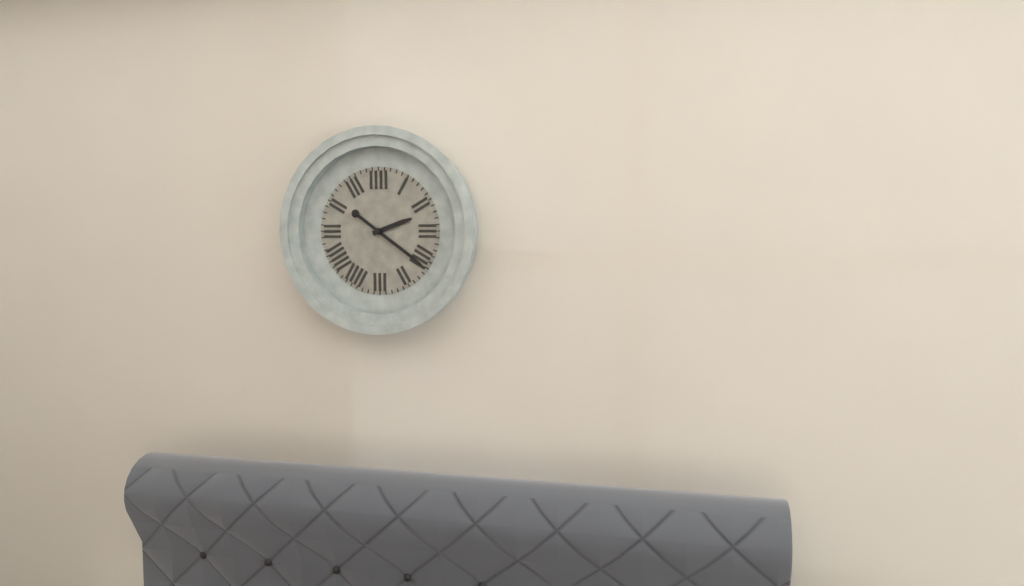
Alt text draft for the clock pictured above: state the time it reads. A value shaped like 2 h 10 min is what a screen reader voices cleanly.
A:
2 h 21 min
